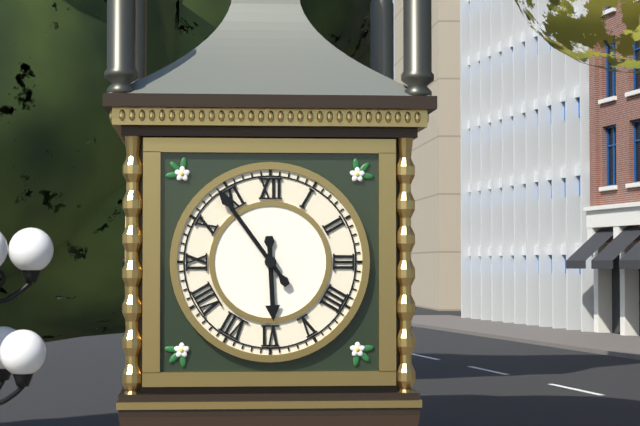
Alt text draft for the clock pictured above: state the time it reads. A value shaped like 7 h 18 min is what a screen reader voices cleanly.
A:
5 h 54 min
